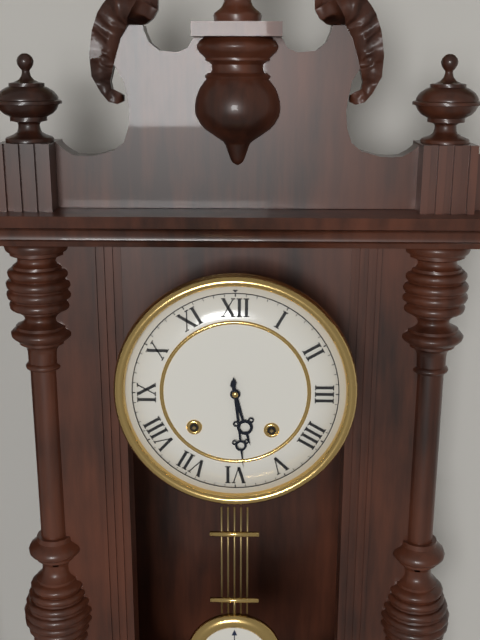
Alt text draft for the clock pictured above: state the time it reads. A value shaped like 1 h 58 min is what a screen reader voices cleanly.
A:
5 h 29 min
